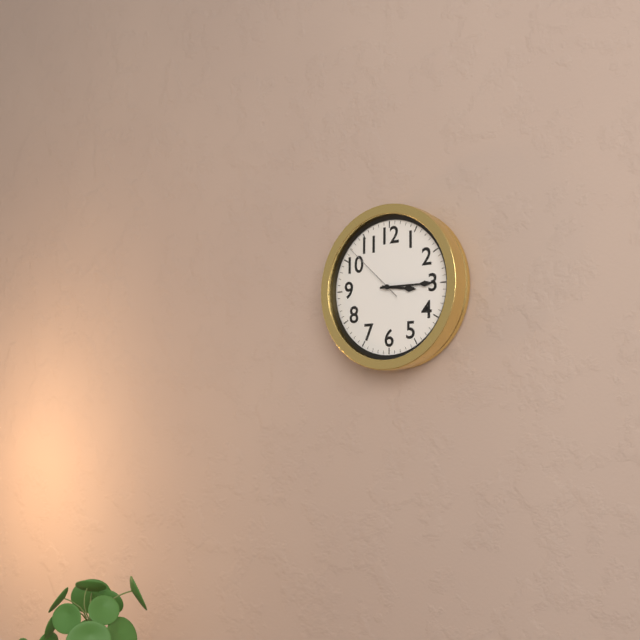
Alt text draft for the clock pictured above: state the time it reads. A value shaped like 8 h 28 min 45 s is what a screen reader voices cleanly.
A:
3 h 15 min 52 s
